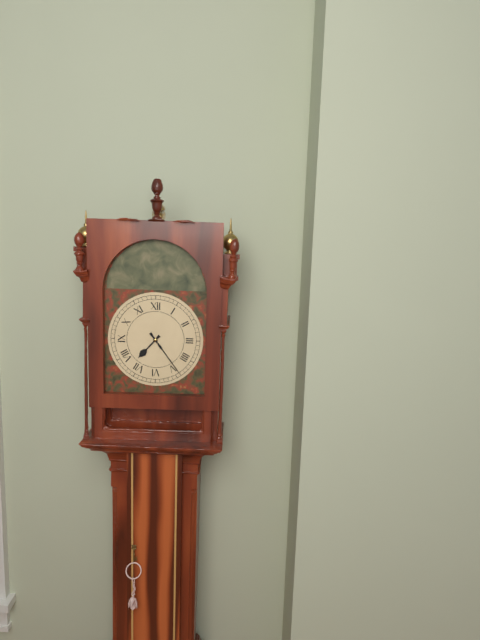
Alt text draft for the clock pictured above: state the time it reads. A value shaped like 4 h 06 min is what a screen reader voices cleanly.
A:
7 h 24 min
